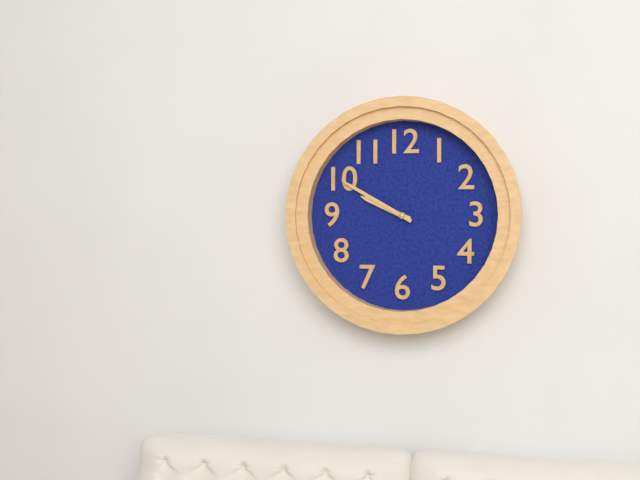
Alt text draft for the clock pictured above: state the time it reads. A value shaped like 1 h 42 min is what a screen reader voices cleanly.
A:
9 h 50 min
